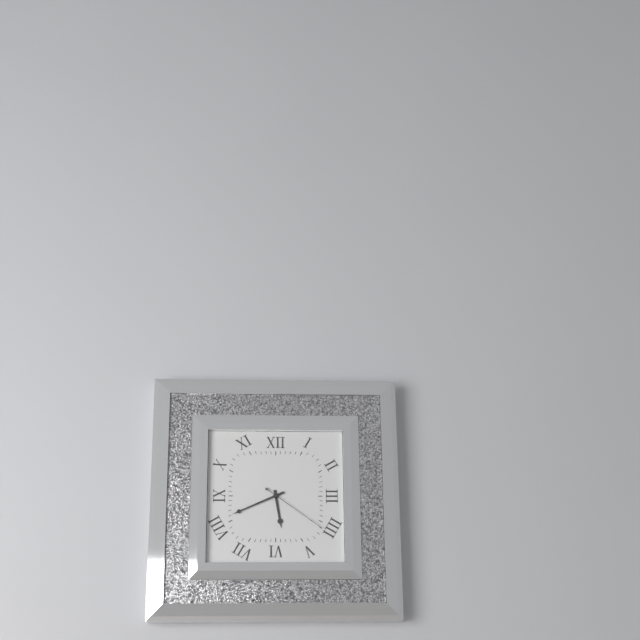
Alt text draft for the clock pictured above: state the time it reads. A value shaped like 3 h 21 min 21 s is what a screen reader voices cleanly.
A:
5 h 41 min 21 s
